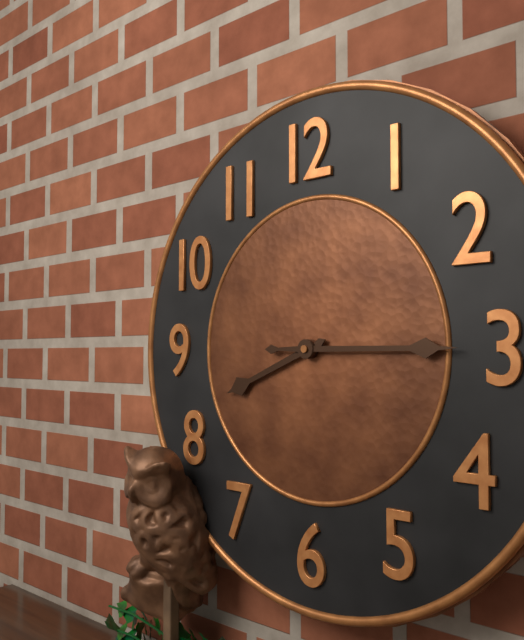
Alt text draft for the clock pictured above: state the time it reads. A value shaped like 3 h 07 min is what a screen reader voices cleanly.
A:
8 h 15 min
